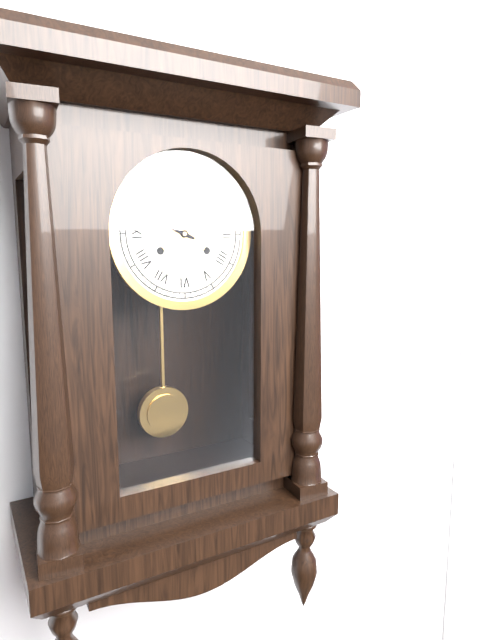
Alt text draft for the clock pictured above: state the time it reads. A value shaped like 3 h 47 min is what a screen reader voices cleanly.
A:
9 h 49 min
